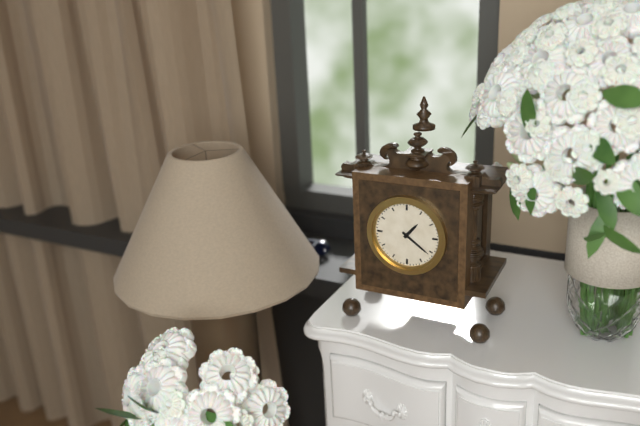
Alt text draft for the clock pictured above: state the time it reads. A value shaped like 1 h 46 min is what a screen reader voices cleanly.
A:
1 h 21 min
